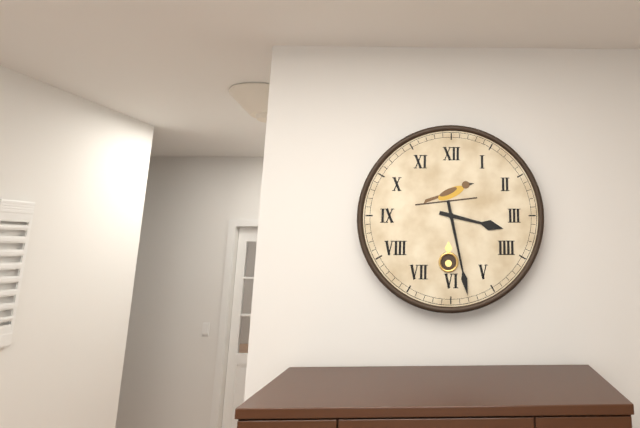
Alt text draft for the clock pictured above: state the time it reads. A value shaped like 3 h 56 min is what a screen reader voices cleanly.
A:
3 h 28 min
